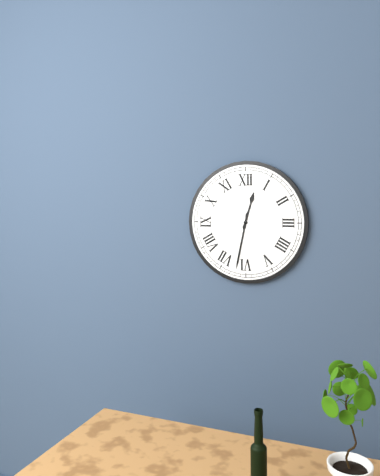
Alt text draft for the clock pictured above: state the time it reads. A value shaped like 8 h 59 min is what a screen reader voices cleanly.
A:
12 h 32 min
